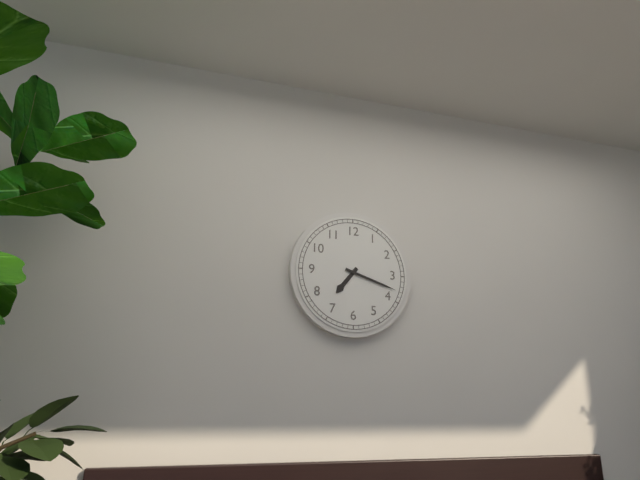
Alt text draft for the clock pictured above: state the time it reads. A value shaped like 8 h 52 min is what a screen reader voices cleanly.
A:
7 h 18 min
